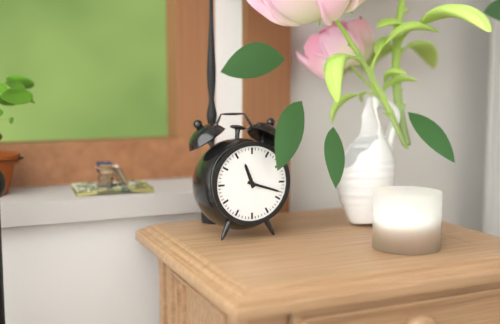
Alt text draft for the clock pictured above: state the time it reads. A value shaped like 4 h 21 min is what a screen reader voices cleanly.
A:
11 h 18 min
